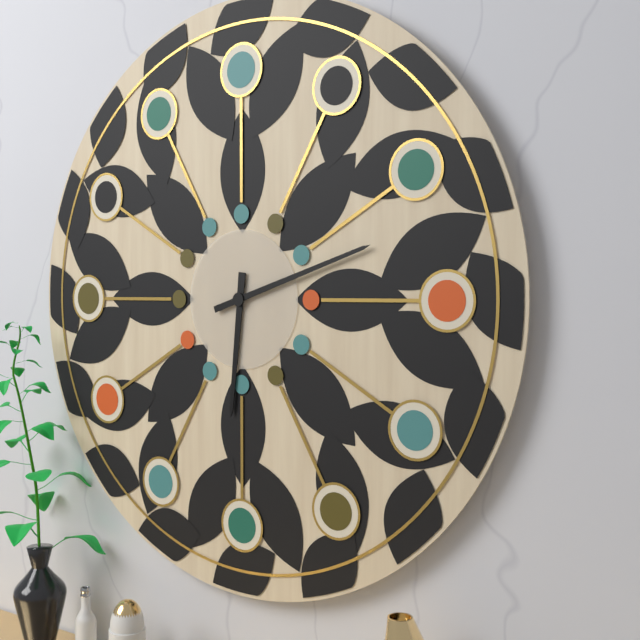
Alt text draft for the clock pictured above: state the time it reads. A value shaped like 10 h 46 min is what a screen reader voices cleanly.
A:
6 h 12 min
